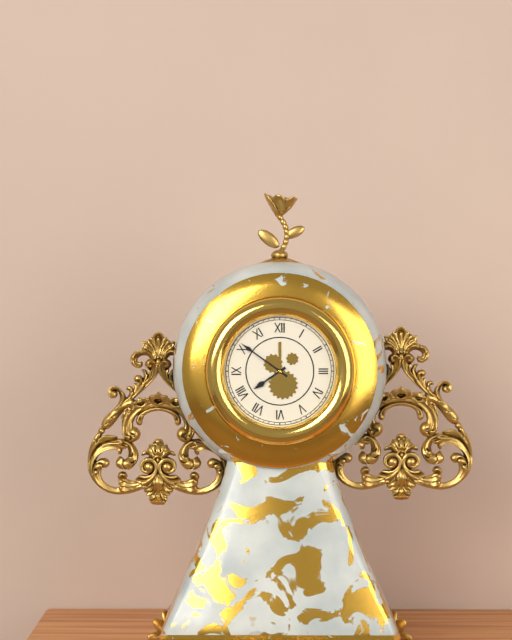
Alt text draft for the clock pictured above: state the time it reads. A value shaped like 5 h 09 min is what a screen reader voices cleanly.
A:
7 h 51 min
